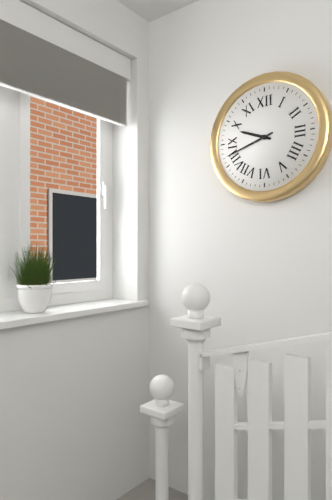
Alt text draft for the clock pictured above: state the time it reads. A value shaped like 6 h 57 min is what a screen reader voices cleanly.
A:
9 h 42 min
